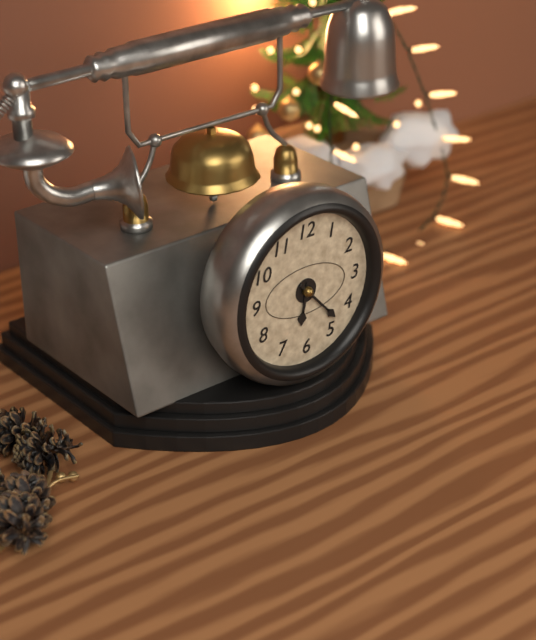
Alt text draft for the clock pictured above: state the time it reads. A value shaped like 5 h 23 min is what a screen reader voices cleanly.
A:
6 h 23 min
